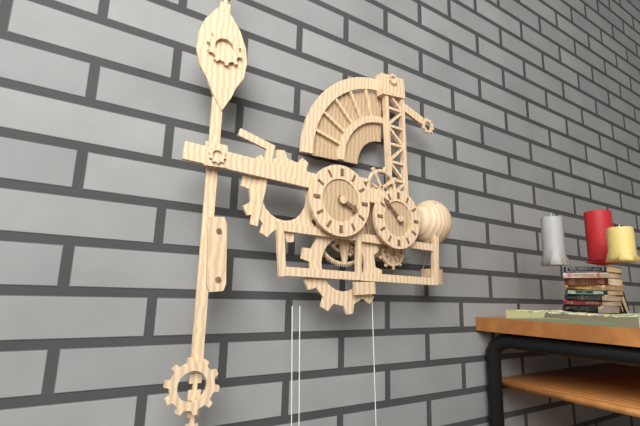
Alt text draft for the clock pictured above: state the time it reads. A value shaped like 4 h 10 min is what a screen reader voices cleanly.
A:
3 h 52 min
